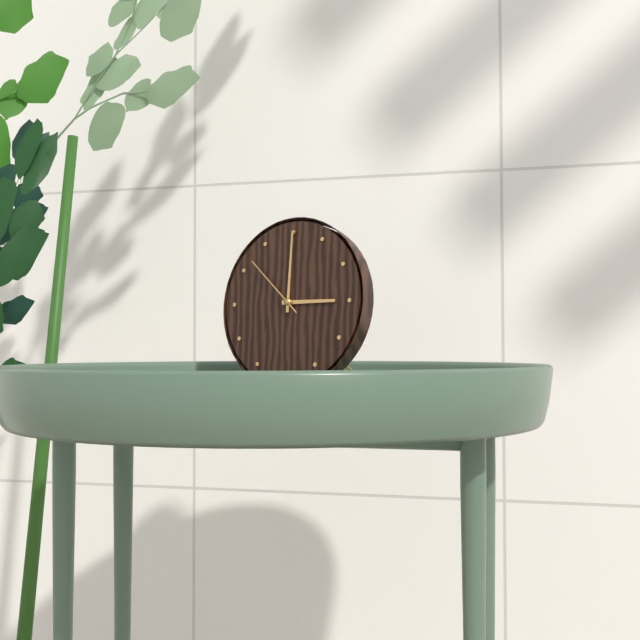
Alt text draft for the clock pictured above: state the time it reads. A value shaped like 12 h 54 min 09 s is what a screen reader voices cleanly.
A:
3 h 00 min 52 s
